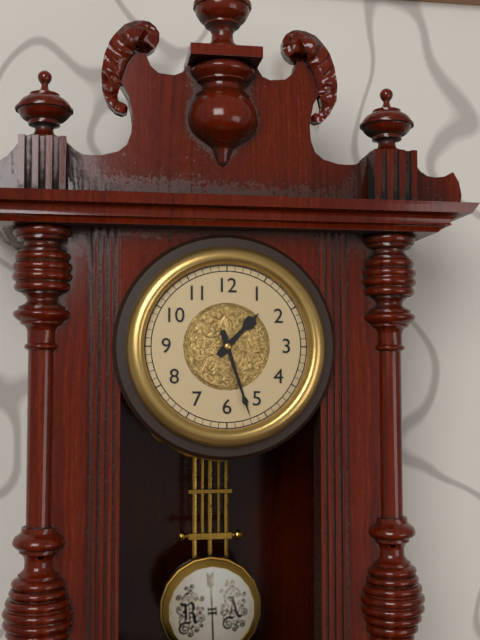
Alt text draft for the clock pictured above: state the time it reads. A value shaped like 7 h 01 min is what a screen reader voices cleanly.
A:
1 h 27 min
